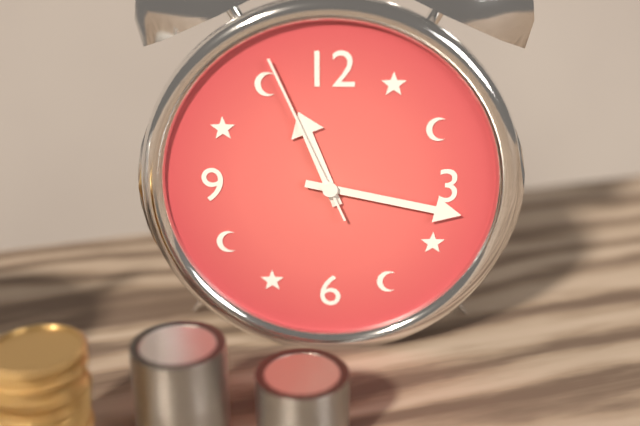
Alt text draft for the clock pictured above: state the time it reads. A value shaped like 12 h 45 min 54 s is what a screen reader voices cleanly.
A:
11 h 17 min 56 s
